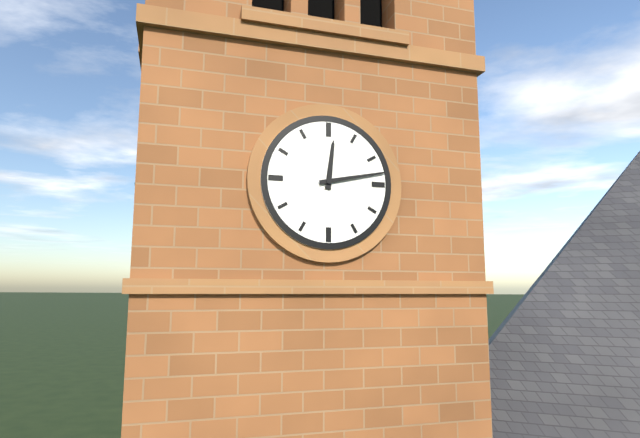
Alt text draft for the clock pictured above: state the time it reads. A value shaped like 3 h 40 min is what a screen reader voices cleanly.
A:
12 h 13 min
